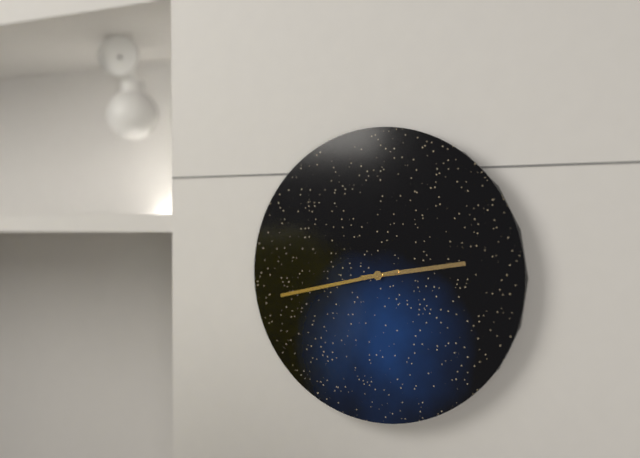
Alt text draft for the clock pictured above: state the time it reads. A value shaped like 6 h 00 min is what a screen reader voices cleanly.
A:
2 h 43 min
